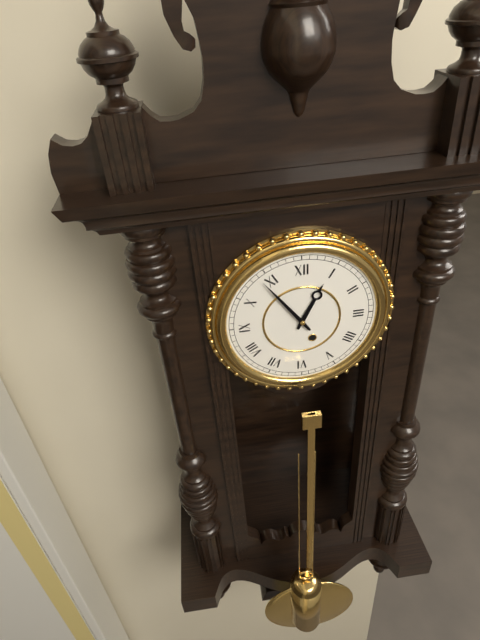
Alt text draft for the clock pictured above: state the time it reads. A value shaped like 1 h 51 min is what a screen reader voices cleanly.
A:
12 h 54 min
